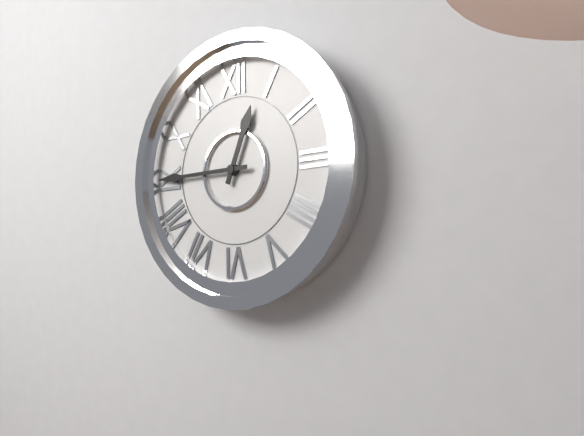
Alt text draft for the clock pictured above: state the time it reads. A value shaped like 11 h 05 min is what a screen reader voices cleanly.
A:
12 h 45 min
